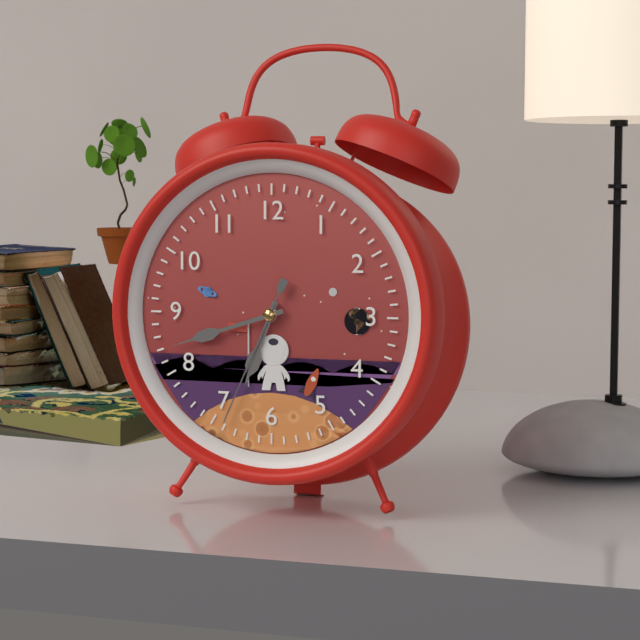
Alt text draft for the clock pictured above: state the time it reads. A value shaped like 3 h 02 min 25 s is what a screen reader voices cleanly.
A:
6 h 42 min 34 s
